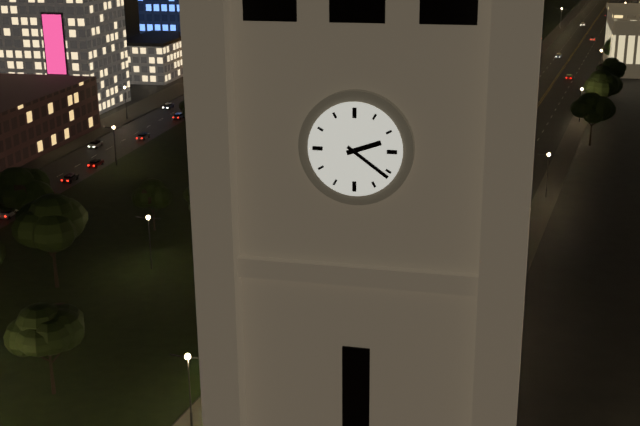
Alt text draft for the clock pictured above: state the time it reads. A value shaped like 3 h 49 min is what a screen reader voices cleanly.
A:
2 h 21 min
